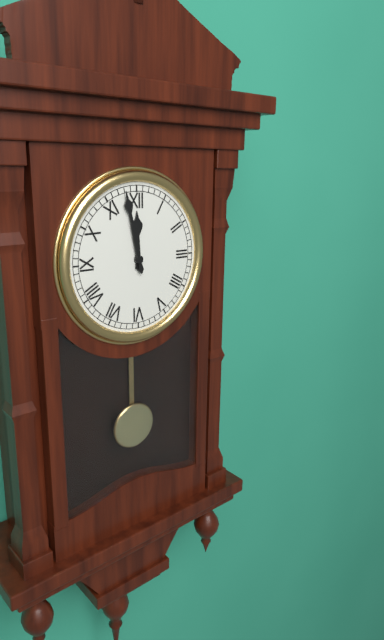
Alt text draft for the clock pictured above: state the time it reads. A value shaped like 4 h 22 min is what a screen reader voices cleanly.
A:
11 h 58 min
